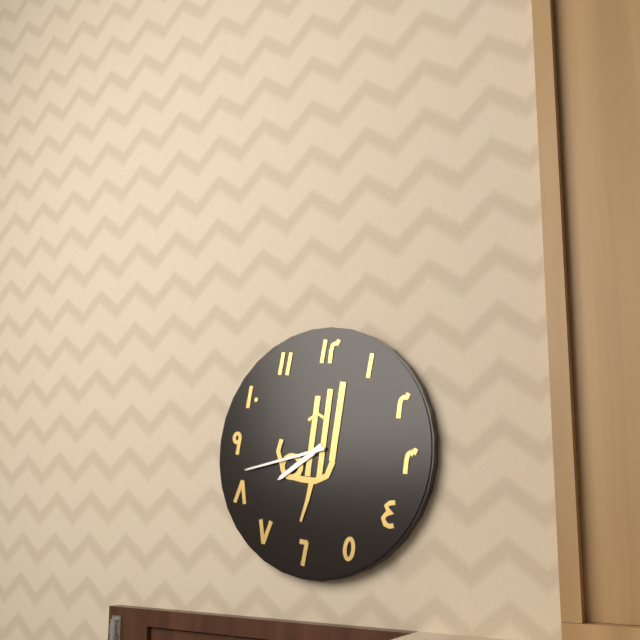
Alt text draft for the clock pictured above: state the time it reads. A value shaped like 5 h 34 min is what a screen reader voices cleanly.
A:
7 h 42 min
